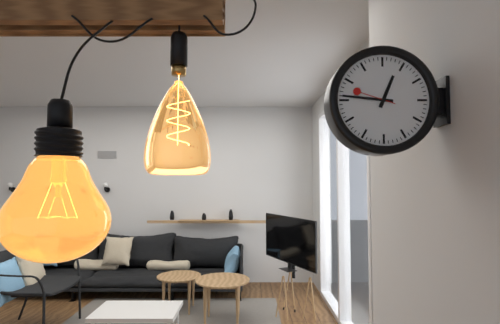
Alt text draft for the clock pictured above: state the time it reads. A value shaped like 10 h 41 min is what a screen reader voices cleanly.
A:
12 h 46 min
